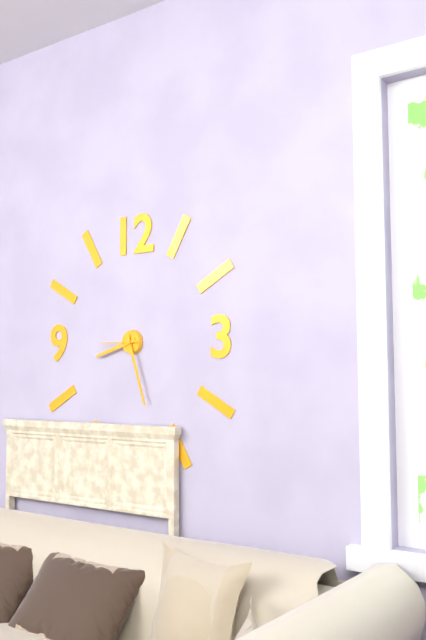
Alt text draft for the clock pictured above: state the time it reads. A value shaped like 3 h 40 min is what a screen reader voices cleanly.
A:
8 h 27 min
